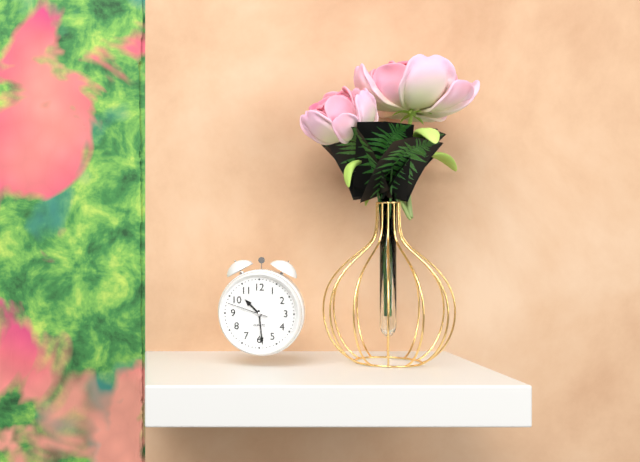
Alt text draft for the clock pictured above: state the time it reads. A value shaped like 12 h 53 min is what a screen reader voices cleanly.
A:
10 h 29 min
